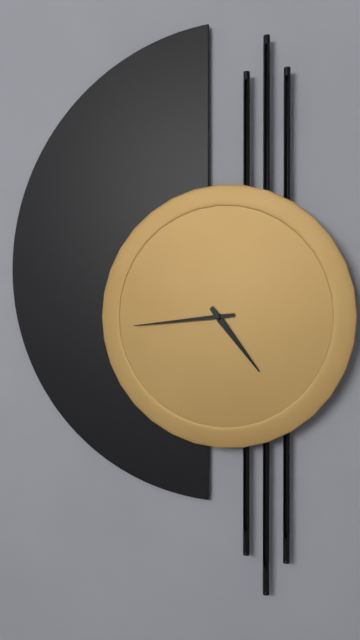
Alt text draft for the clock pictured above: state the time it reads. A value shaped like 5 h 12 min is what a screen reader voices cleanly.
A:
4 h 44 min
